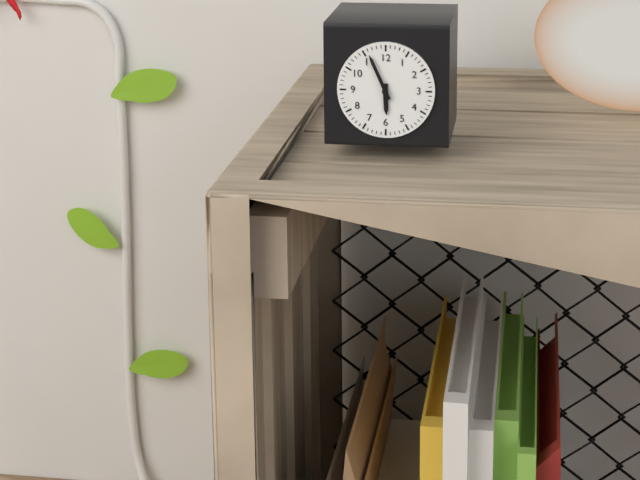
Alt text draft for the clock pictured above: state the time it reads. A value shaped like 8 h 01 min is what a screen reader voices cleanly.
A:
5 h 56 min
